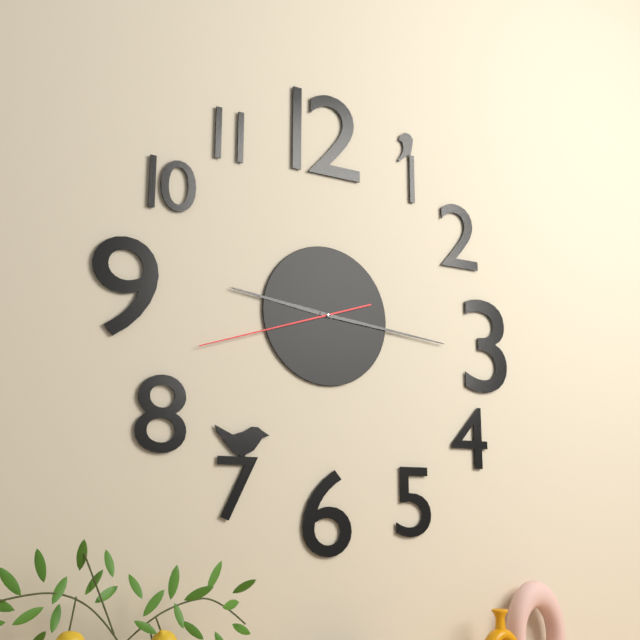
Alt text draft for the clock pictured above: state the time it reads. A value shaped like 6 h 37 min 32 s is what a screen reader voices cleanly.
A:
9 h 16 min 42 s
